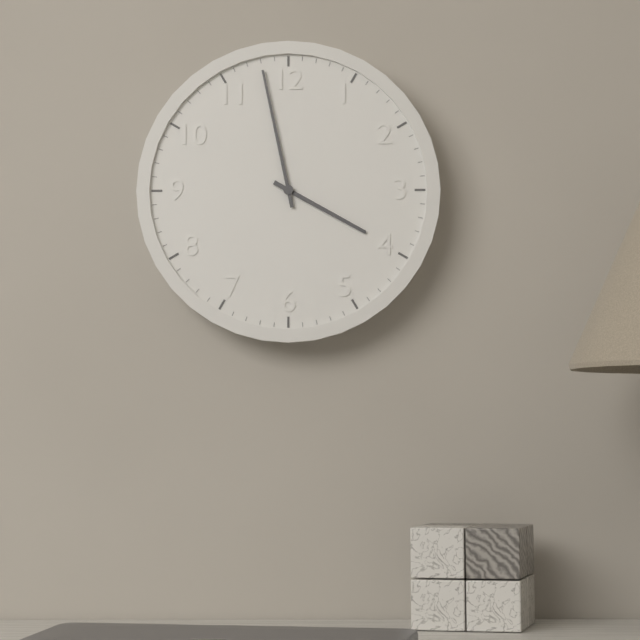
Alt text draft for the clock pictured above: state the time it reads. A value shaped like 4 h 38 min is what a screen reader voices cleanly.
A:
3 h 58 min
